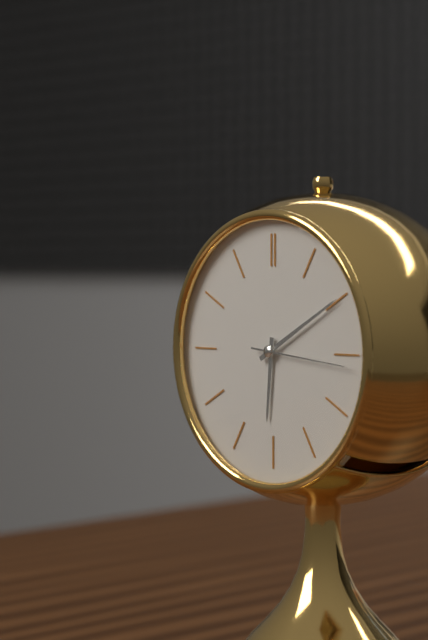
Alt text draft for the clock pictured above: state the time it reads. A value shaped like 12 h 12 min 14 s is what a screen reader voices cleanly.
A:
6 h 10 min 16 s
